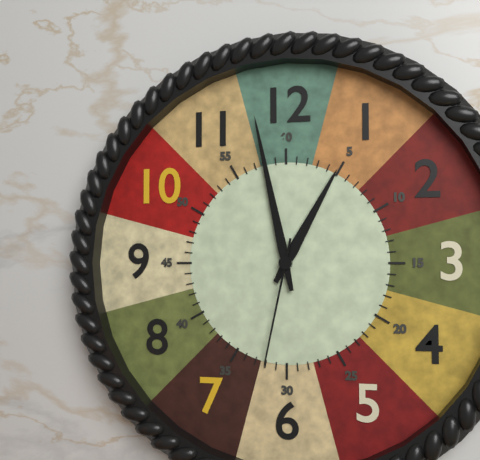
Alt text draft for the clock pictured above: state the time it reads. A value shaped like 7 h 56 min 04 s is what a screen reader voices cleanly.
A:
12 h 58 min 32 s
